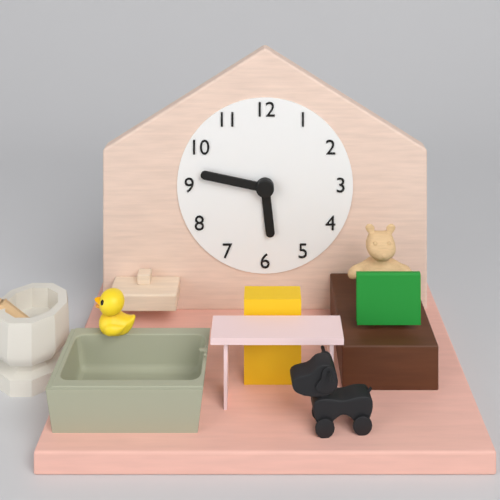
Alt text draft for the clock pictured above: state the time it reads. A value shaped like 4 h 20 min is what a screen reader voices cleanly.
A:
5 h 47 min
